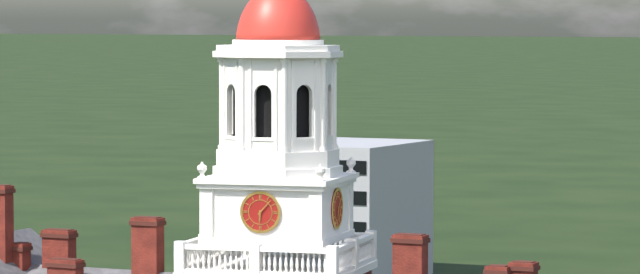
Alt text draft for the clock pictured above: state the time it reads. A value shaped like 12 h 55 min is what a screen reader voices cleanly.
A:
6 h 07 min
